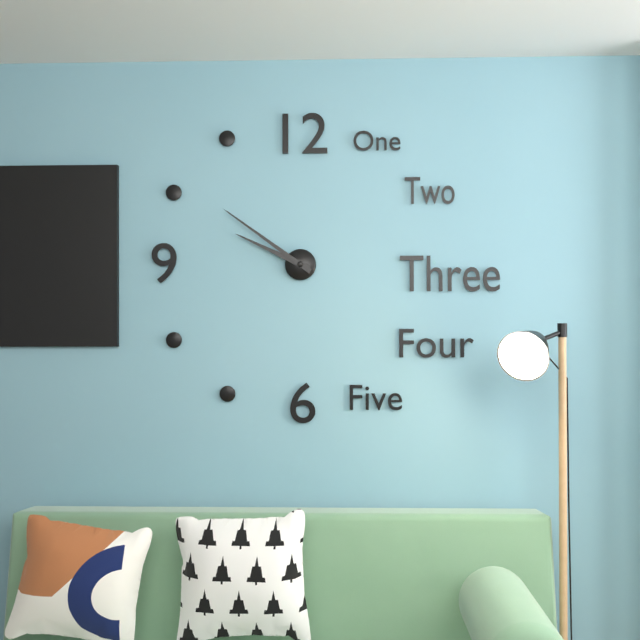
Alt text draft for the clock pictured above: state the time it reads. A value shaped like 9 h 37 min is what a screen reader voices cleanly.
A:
9 h 51 min
